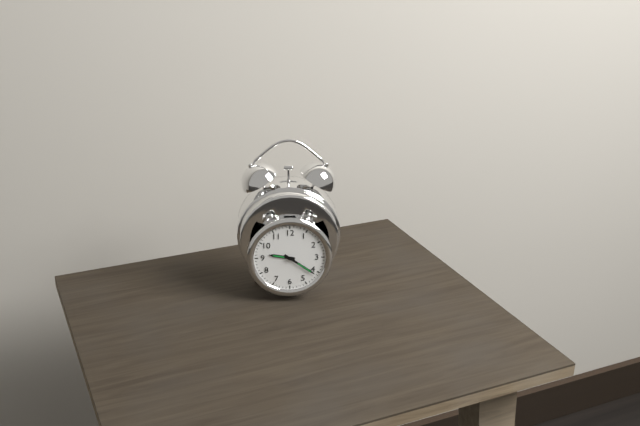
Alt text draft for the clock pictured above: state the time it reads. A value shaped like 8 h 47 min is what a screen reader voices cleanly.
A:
9 h 21 min
